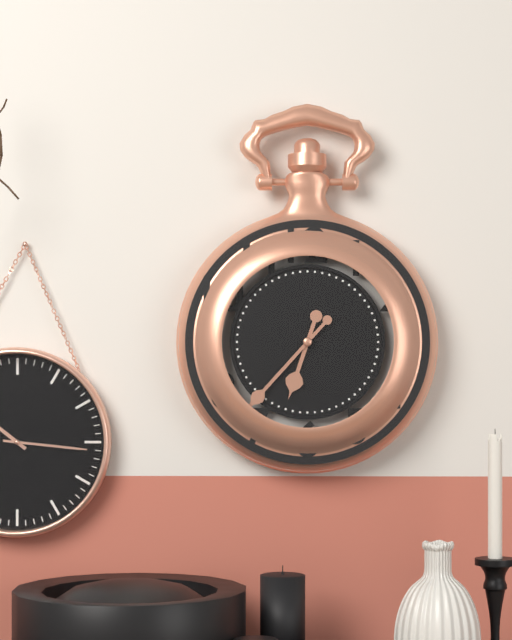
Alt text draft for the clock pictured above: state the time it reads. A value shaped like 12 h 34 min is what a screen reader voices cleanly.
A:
6 h 37 min
